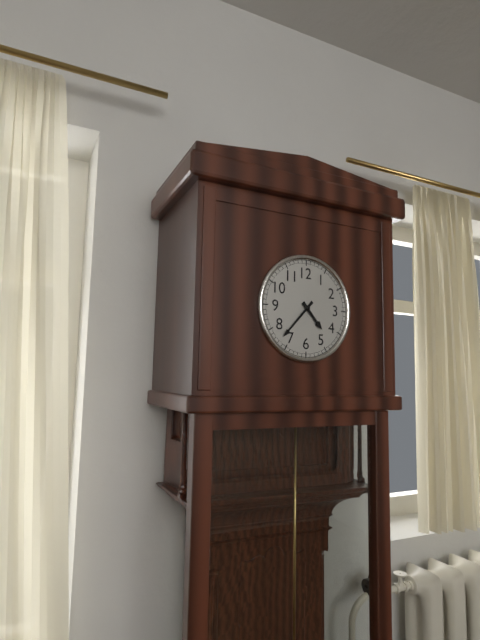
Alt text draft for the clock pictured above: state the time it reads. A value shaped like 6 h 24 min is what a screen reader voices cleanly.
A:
4 h 37 min
